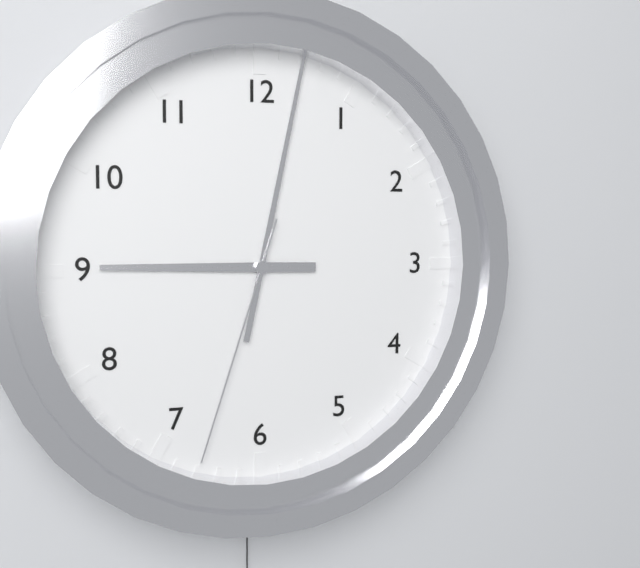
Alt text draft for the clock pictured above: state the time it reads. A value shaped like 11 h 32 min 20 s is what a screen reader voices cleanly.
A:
9 h 02 min 33 s
